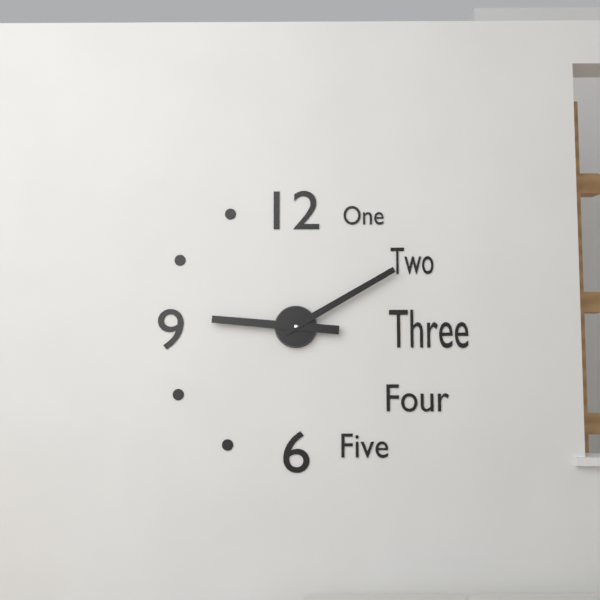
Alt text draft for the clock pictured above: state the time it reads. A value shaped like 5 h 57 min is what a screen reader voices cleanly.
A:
9 h 10 min
